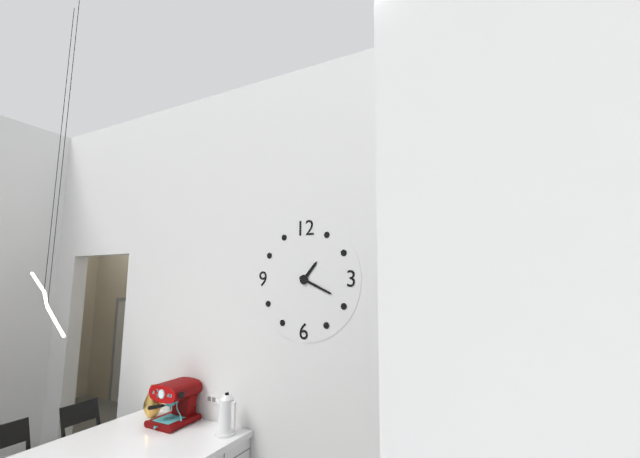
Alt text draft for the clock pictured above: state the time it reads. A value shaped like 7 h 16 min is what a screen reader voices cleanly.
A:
1 h 19 min
